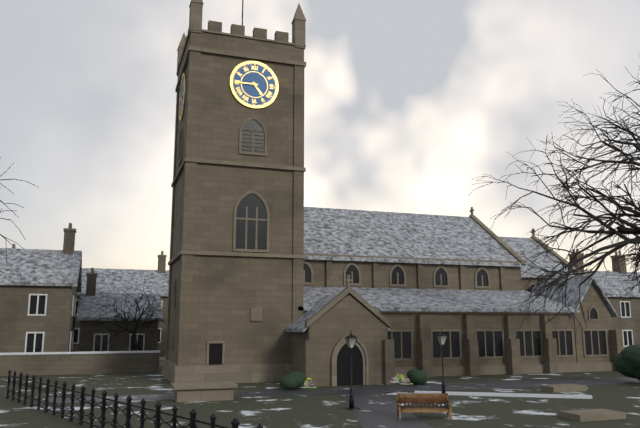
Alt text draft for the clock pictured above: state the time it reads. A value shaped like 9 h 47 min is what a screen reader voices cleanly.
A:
4 h 45 min
